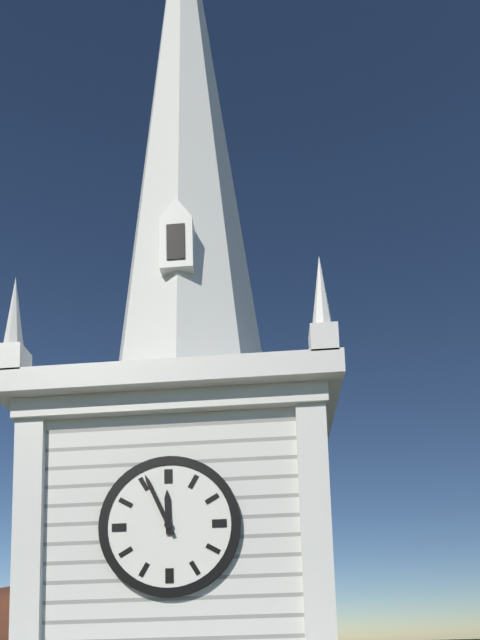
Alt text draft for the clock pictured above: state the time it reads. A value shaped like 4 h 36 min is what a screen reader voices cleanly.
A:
11 h 56 min
